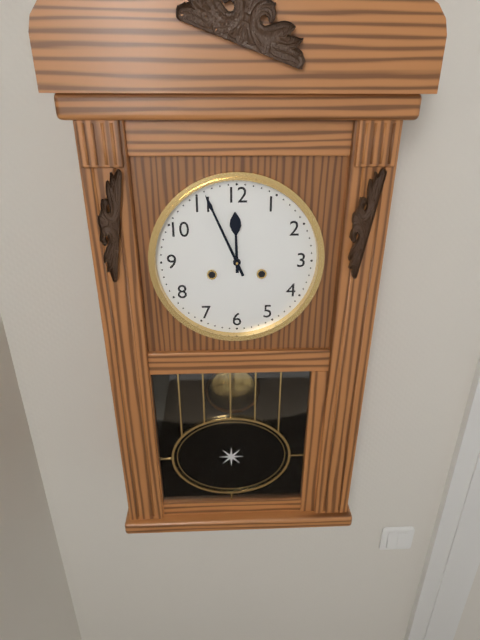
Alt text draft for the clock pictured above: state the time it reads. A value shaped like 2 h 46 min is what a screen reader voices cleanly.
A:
11 h 56 min
